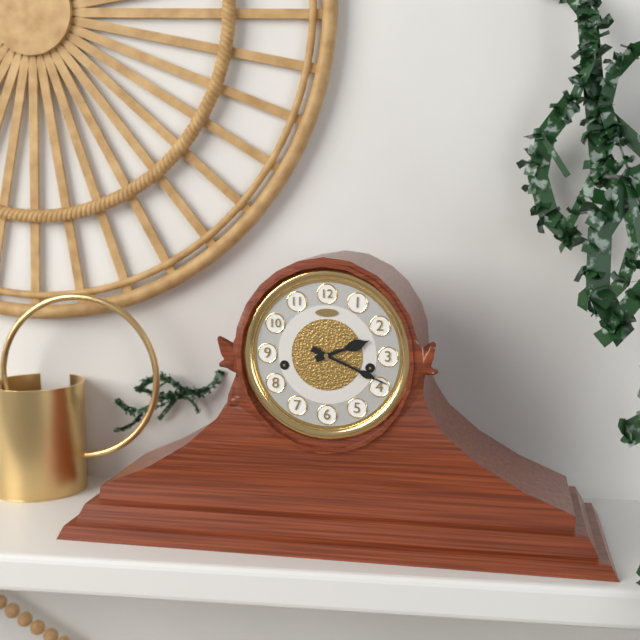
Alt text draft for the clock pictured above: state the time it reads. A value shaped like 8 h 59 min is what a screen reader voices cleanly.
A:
2 h 19 min
